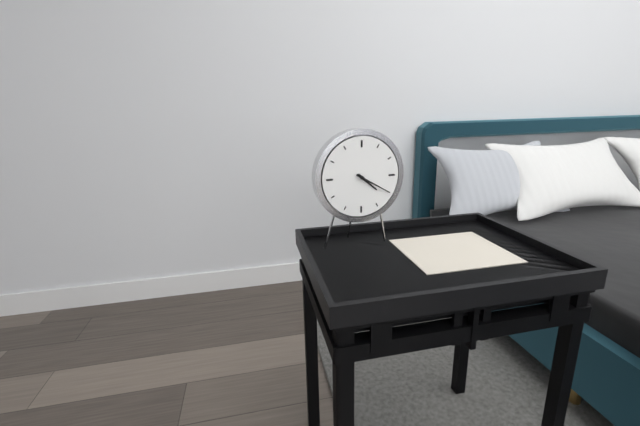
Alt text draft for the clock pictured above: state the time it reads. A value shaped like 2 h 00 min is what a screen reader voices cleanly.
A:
4 h 20 min
